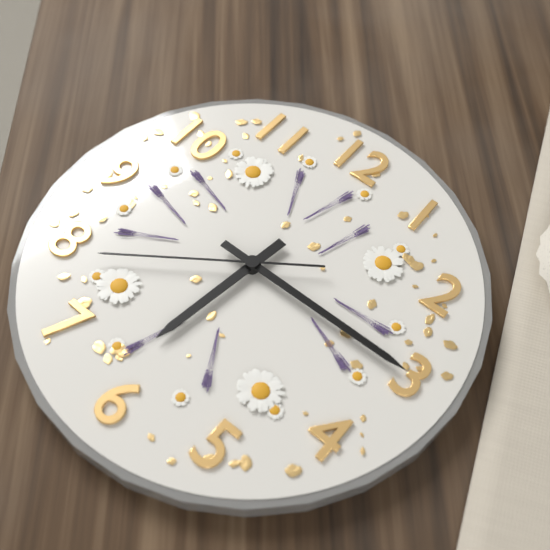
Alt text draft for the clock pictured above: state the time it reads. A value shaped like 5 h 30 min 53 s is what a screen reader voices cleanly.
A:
6 h 15 min 39 s
